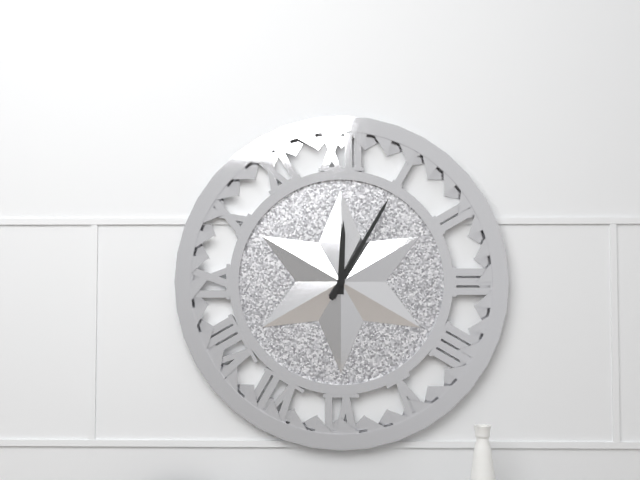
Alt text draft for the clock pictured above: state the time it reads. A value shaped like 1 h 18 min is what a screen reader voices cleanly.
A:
12 h 05 min
